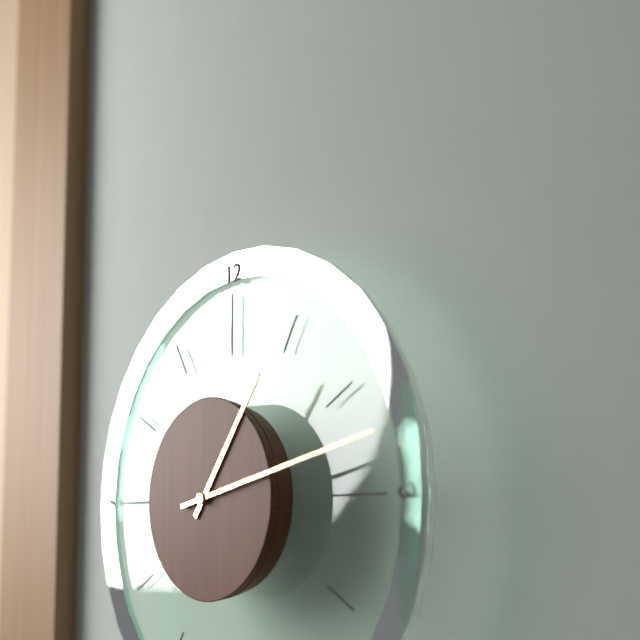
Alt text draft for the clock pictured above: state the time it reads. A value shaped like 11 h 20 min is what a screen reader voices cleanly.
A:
1 h 13 min
